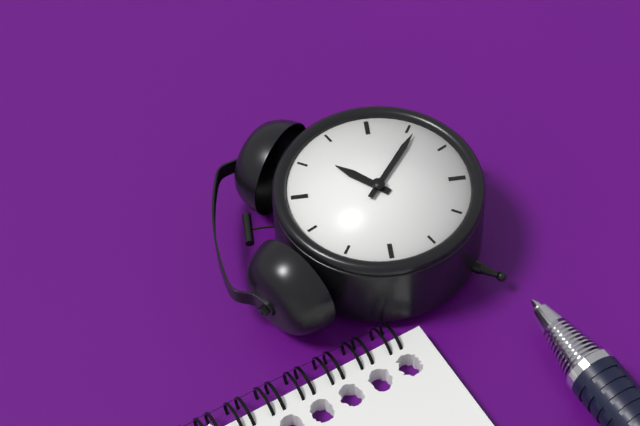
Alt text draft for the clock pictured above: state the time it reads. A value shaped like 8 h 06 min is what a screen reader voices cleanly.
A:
1 h 21 min
